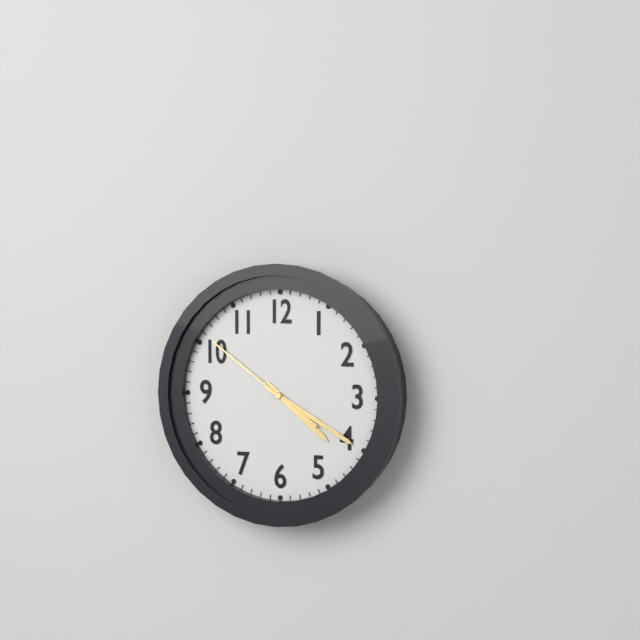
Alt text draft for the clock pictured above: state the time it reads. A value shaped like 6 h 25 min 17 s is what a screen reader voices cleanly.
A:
4 h 20 min 51 s
